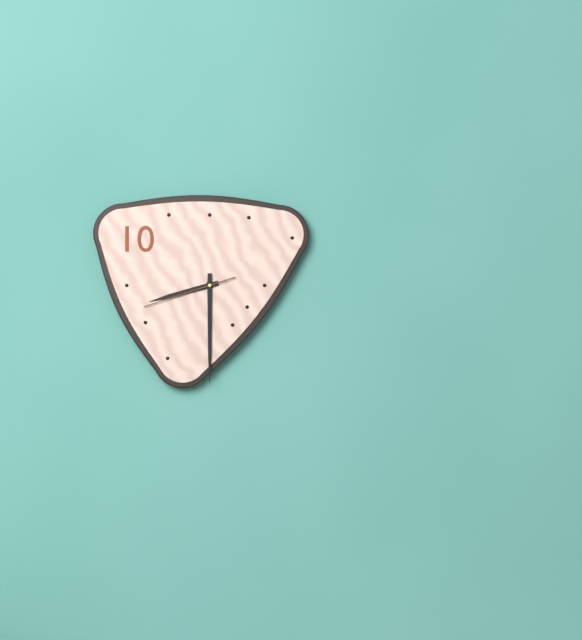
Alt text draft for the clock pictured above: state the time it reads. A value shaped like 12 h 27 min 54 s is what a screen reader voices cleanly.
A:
8 h 30 min 42 s
